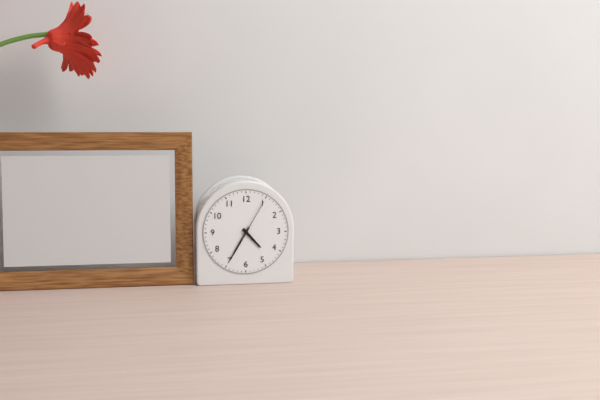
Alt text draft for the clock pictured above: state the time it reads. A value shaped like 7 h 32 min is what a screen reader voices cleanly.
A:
4 h 35 min
